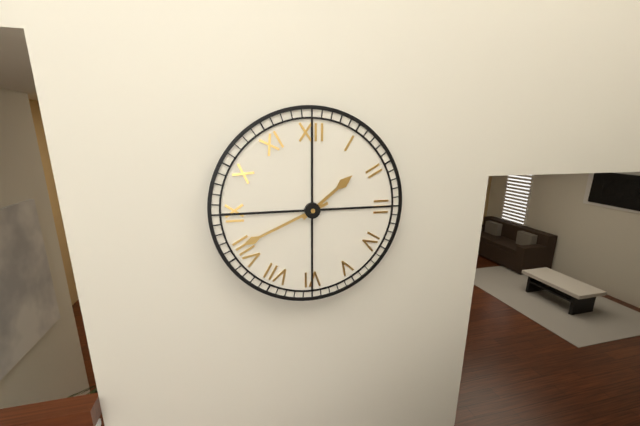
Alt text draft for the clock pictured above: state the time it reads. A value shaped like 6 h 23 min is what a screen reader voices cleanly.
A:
1 h 41 min
